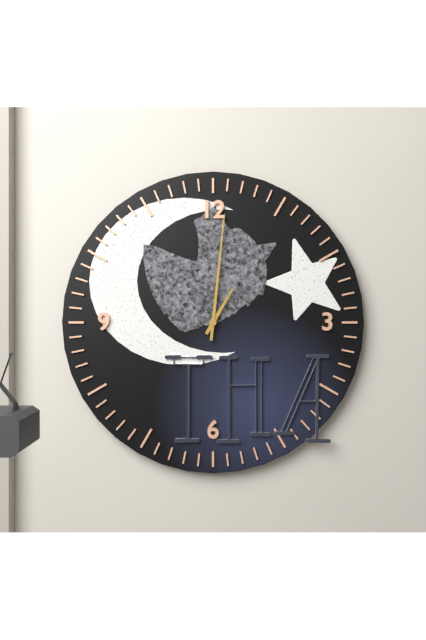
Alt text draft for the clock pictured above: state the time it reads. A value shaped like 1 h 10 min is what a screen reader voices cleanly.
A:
1 h 01 min
